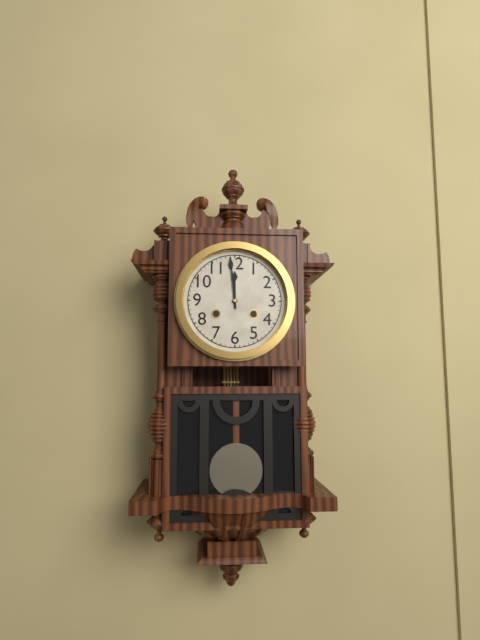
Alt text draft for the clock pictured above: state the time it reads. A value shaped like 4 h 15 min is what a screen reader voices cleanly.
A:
11 h 59 min
